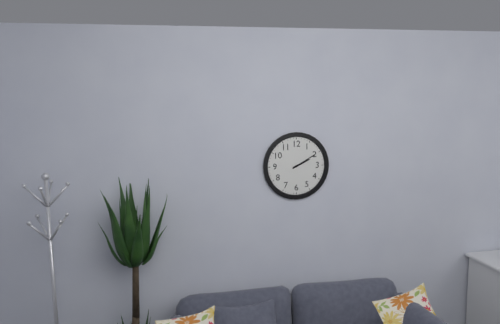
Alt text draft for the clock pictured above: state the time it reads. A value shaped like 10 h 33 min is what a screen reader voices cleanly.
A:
2 h 10 min
